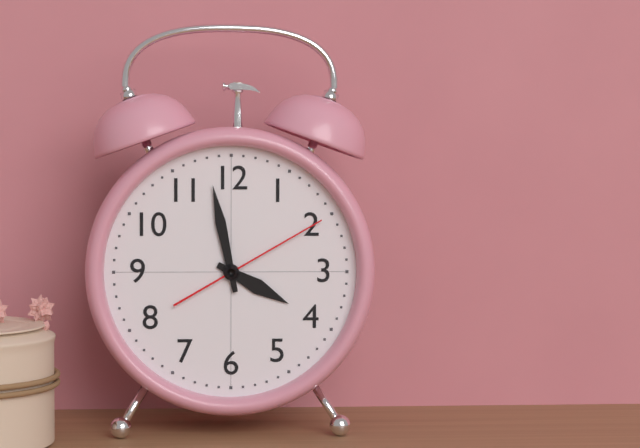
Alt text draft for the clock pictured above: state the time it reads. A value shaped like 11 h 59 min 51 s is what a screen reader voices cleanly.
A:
3 h 58 min 10 s
